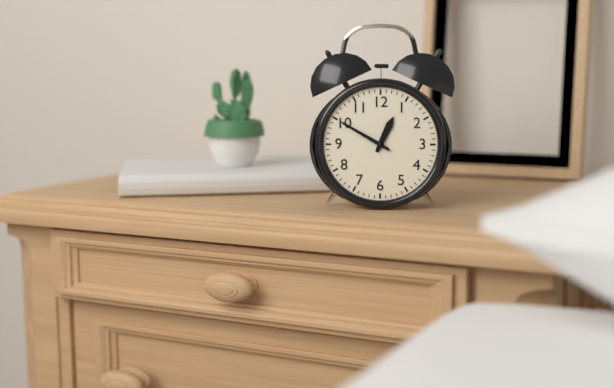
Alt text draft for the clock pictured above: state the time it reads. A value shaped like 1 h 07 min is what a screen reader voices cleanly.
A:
12 h 50 min
